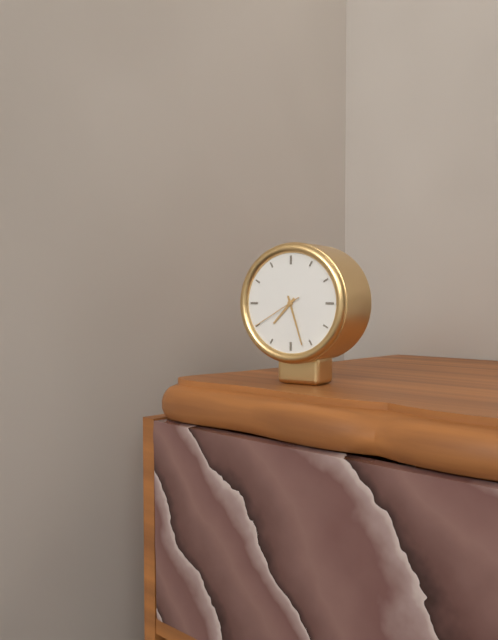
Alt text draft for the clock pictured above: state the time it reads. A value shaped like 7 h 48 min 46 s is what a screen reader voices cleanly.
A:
7 h 27 min 40 s
